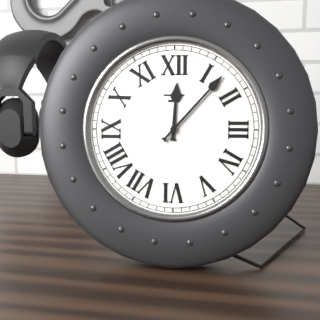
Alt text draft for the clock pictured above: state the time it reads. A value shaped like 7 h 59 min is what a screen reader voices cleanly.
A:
12 h 07 min
